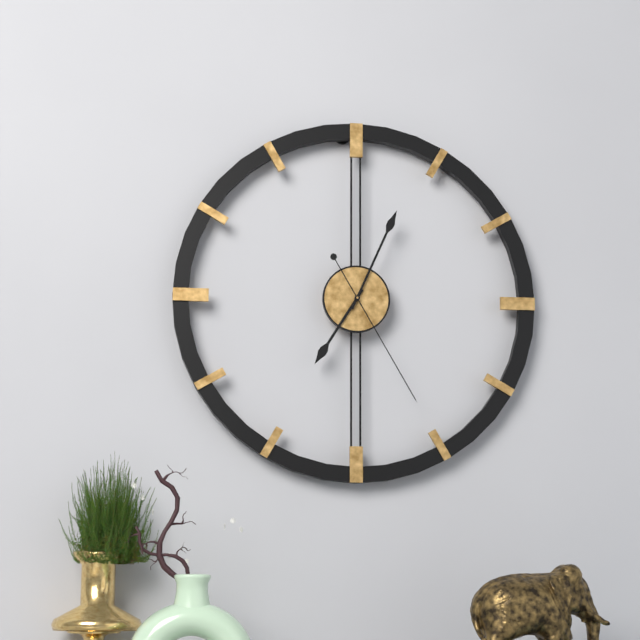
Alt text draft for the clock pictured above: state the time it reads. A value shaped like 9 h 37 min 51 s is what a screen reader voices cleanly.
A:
7 h 04 min 25 s
